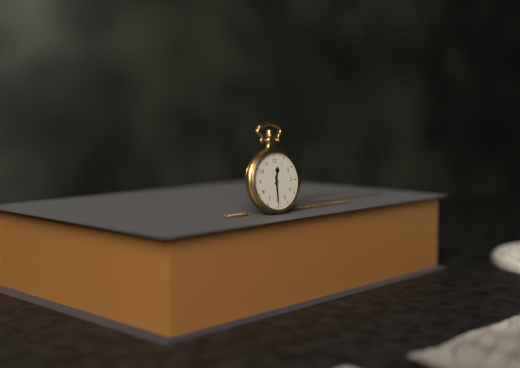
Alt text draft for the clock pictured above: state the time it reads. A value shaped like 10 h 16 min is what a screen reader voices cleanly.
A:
12 h 30 min
